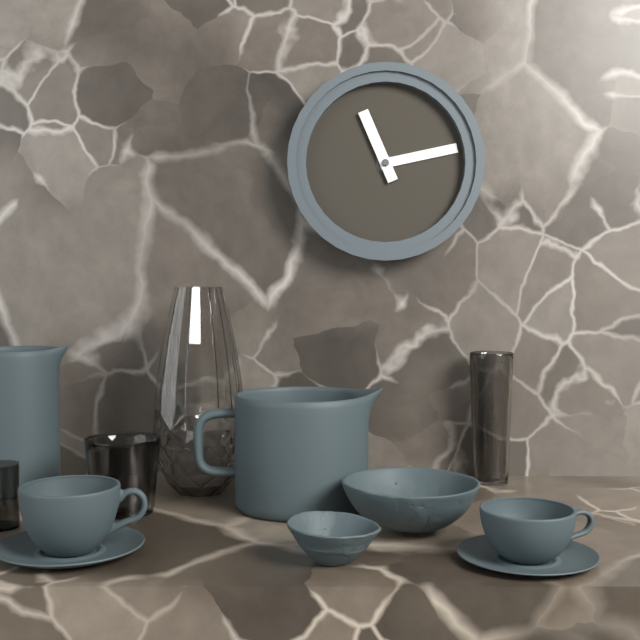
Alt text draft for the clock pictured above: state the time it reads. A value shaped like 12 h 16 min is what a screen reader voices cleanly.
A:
11 h 13 min
